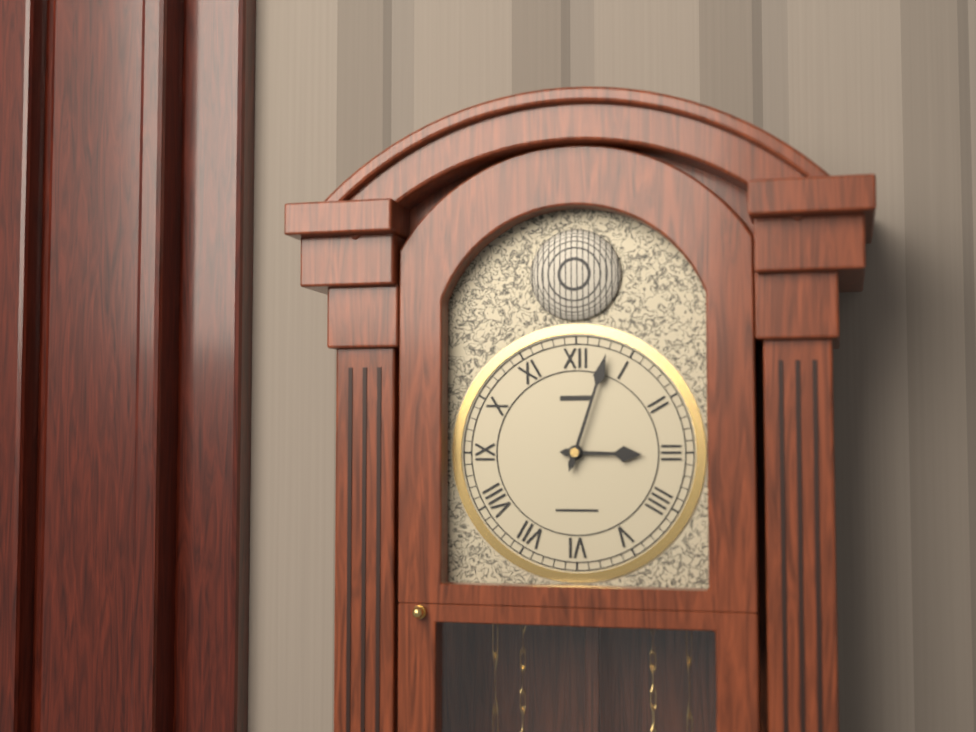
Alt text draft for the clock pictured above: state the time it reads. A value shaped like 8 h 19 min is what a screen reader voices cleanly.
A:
3 h 03 min
